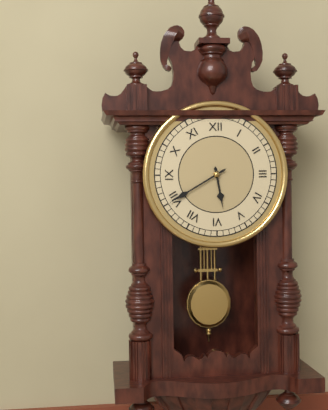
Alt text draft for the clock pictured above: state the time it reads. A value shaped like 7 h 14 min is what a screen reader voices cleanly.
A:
5 h 40 min
